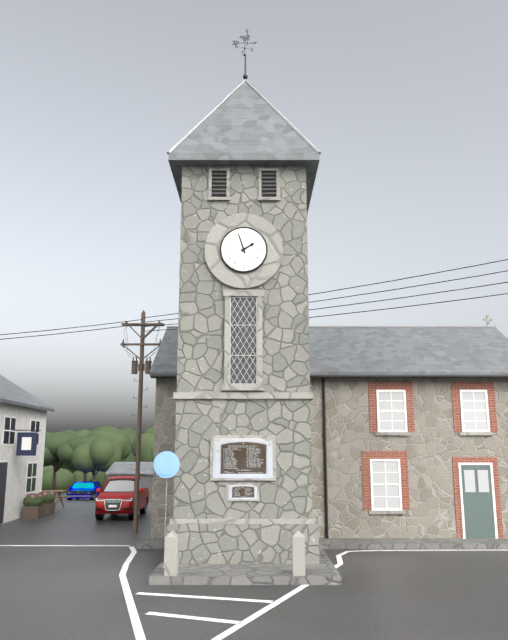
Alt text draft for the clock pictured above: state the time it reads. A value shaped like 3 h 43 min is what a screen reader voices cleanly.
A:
1 h 57 min
